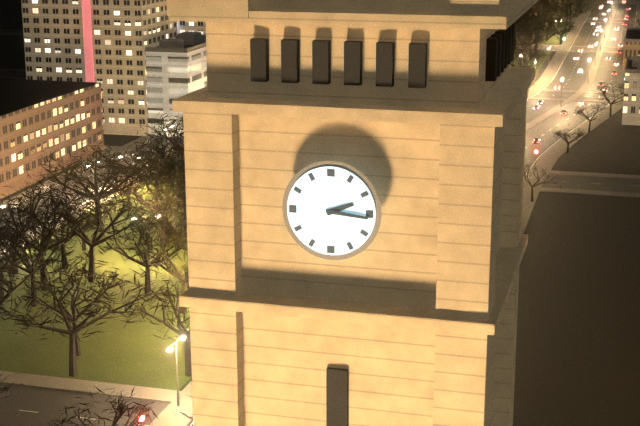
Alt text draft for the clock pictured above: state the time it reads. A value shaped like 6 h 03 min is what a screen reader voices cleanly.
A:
2 h 16 min
